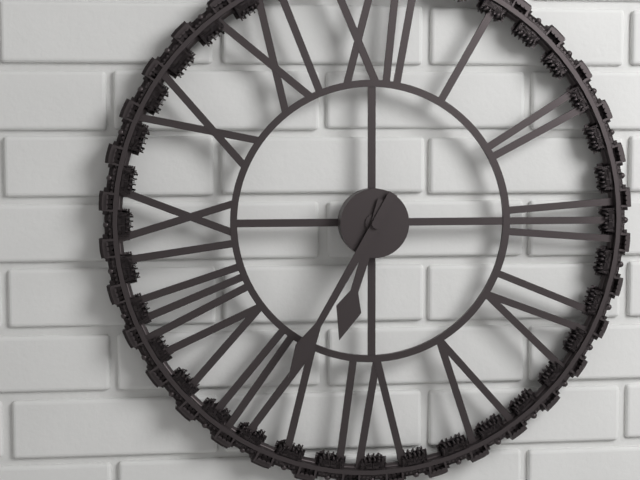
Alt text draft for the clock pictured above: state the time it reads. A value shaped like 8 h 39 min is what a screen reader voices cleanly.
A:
6 h 35 min
